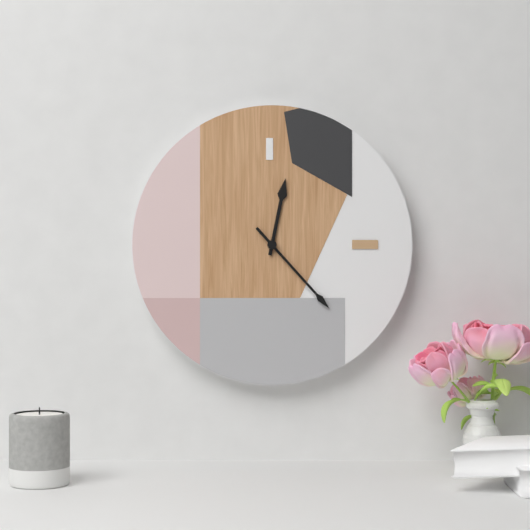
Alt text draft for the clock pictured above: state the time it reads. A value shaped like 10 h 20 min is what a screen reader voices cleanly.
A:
12 h 23 min
